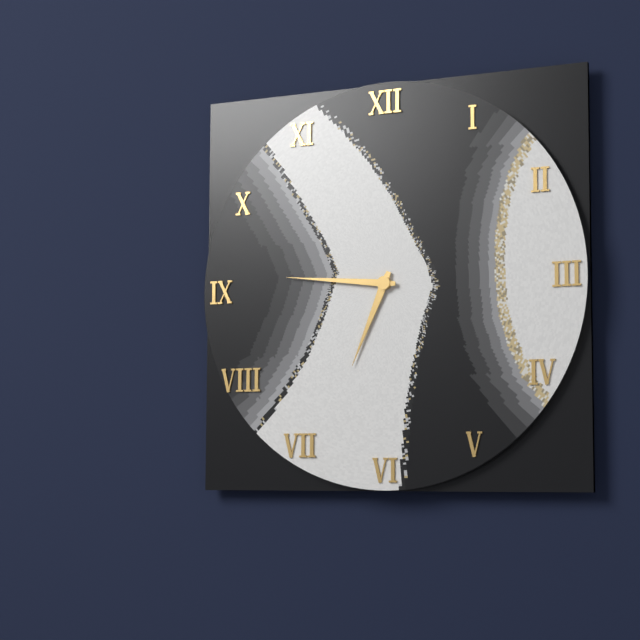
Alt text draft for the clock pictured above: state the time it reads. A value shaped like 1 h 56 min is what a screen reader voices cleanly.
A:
6 h 46 min
